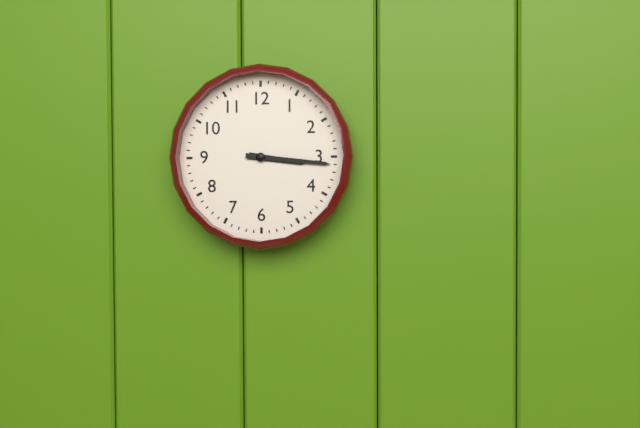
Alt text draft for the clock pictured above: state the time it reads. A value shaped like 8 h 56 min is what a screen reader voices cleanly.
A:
3 h 16 min
